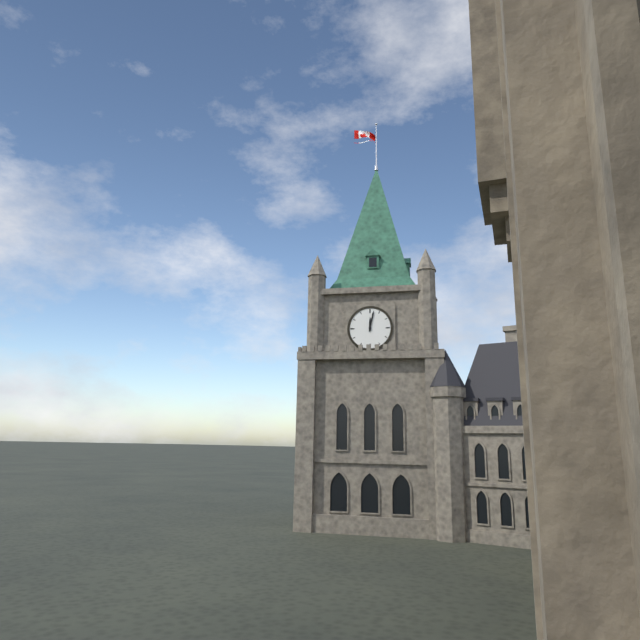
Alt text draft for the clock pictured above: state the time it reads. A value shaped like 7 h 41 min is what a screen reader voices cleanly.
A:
12 h 02 min
